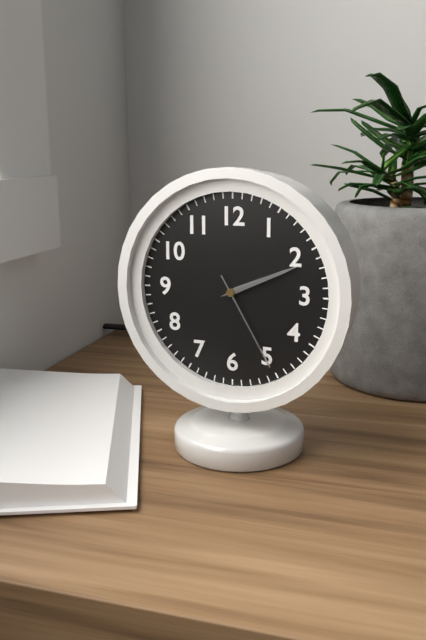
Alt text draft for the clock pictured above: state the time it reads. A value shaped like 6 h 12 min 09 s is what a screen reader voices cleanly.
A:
2 h 11 min 25 s
